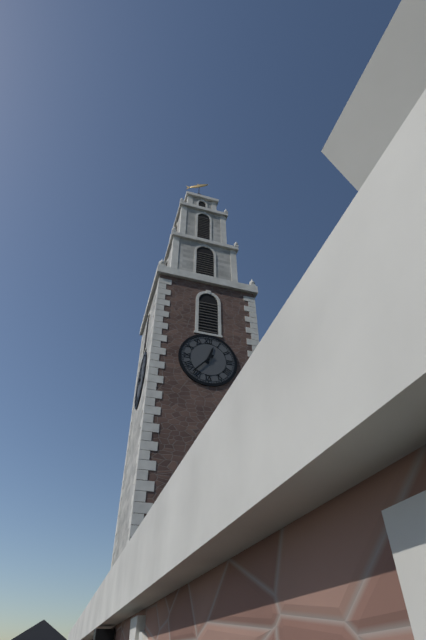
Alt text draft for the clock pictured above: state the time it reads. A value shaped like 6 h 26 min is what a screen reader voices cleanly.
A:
12 h 37 min
